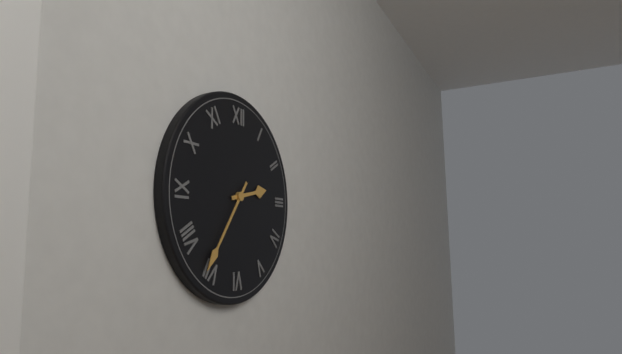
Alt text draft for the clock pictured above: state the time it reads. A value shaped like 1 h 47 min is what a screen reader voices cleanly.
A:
2 h 36 min
